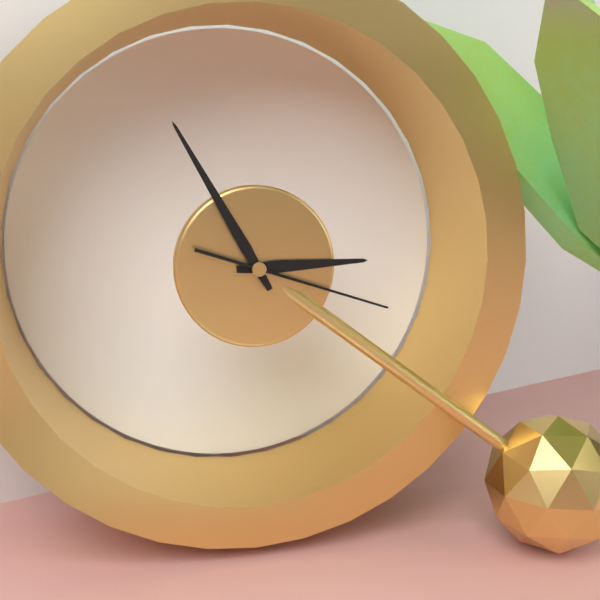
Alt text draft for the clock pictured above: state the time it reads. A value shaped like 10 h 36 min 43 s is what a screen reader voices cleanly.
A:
2 h 55 min 18 s
